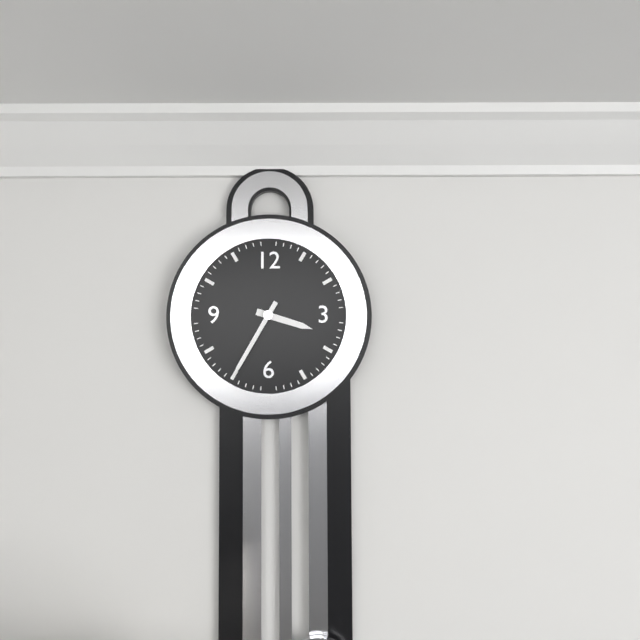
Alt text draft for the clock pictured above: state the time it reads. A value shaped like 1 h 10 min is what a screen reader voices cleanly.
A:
3 h 35 min
